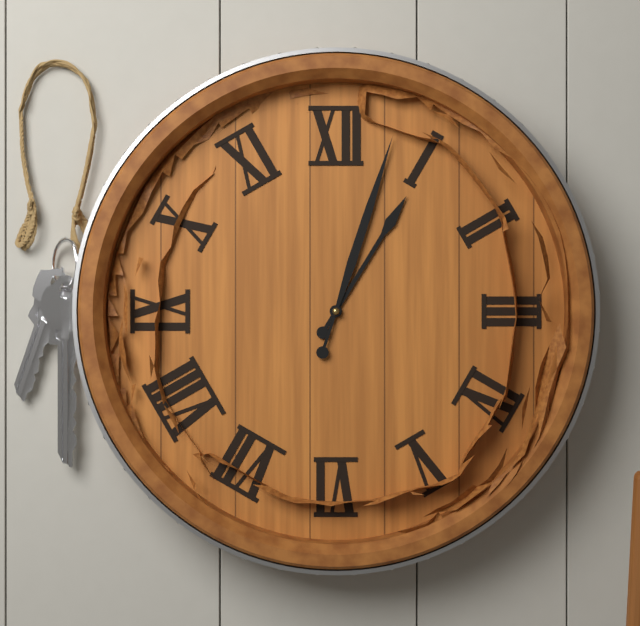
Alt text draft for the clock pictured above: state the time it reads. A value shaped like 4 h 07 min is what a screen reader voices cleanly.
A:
1 h 03 min
